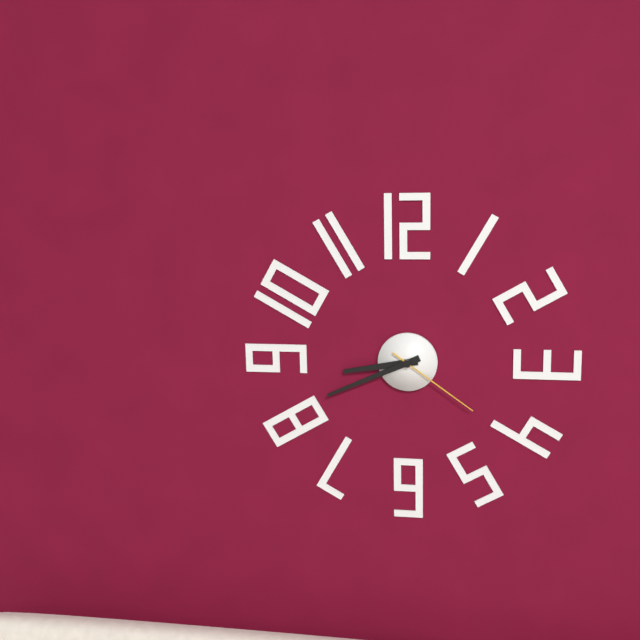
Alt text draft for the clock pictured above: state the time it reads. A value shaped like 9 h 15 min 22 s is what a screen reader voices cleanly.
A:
8 h 41 min 21 s
